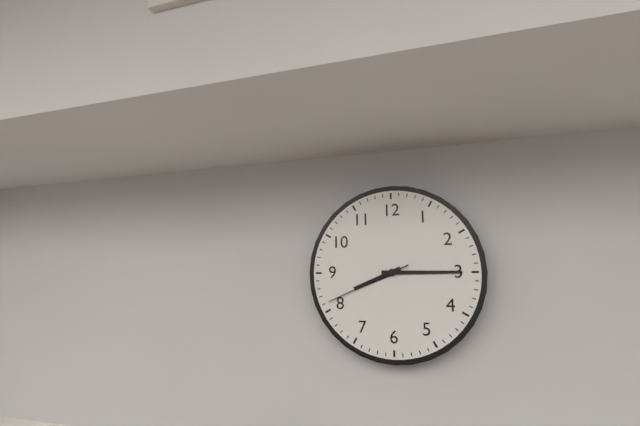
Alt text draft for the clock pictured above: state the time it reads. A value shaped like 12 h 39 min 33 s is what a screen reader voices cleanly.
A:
8 h 15 min 41 s
